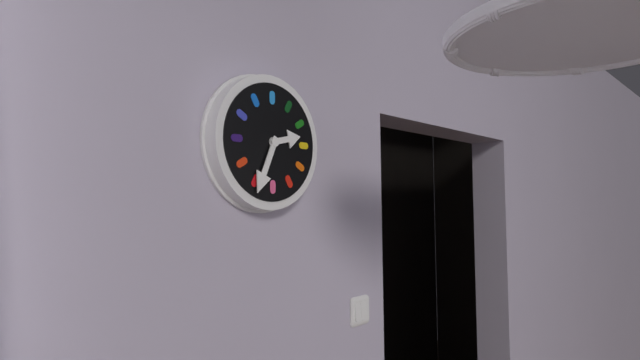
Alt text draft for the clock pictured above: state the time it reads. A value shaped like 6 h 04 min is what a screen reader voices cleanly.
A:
2 h 34 min
